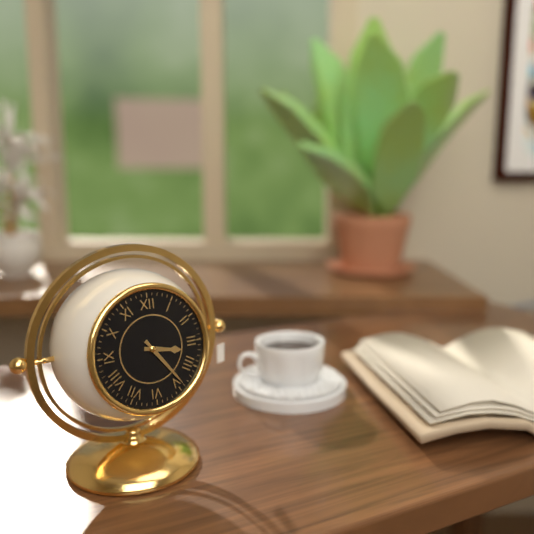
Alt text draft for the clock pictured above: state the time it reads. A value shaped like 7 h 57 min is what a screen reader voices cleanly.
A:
3 h 24 min
